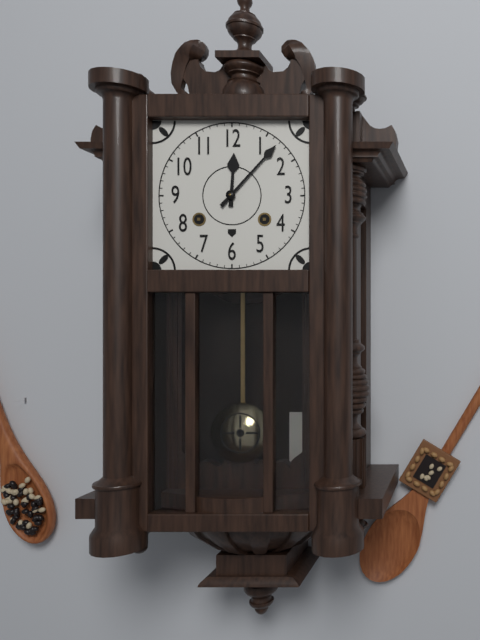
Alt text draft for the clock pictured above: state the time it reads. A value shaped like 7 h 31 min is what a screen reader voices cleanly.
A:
12 h 07 min
